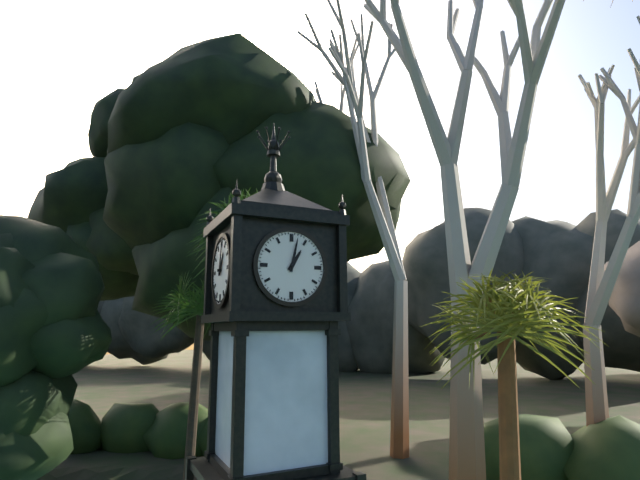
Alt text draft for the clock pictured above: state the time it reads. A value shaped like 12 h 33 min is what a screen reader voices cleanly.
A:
1 h 02 min
